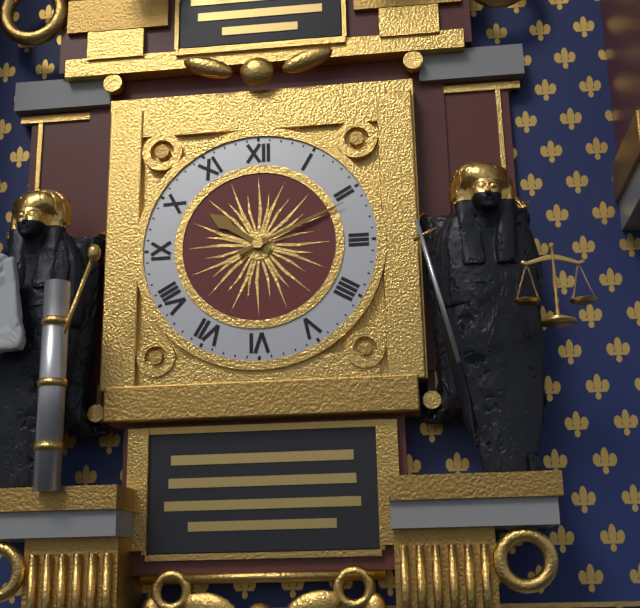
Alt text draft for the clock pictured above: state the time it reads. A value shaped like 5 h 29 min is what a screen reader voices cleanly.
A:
10 h 11 min
